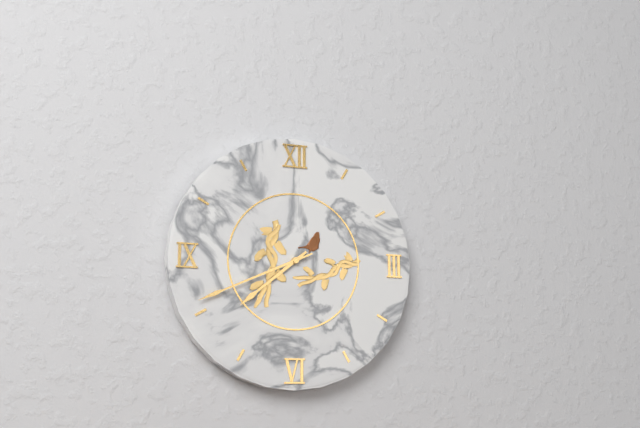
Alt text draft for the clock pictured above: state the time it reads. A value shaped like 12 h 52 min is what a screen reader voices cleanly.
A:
7 h 41 min
